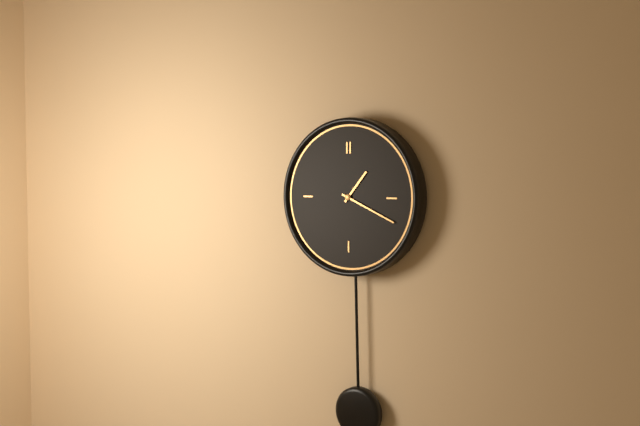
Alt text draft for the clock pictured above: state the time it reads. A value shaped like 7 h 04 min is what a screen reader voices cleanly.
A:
1 h 19 min
